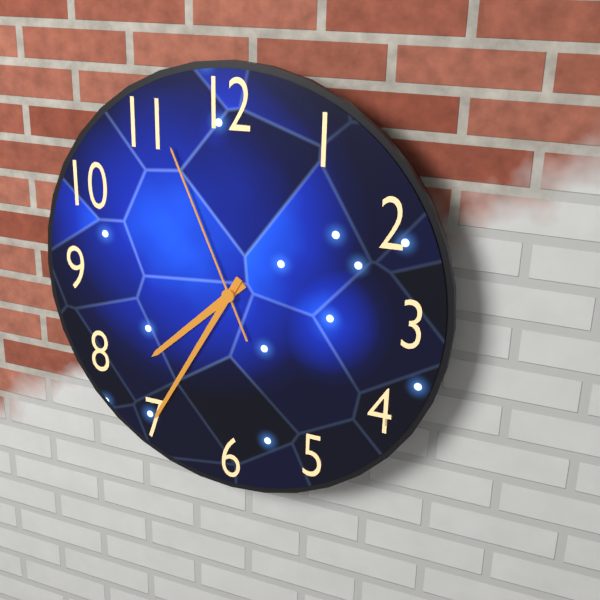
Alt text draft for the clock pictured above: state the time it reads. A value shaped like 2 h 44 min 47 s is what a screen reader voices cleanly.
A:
7 h 35 min 56 s
